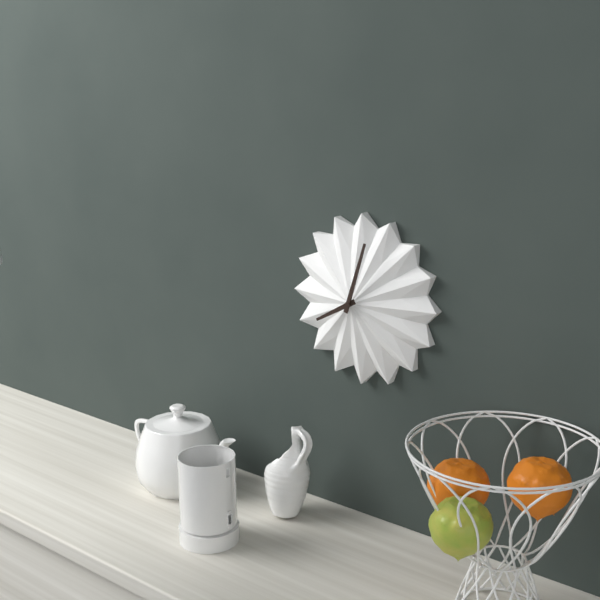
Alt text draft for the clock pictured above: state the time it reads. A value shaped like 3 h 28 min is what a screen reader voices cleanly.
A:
8 h 03 min
